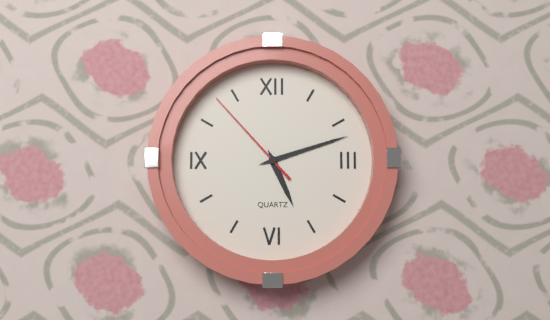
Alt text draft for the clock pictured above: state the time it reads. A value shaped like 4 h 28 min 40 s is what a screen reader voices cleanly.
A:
5 h 12 min 53 s
